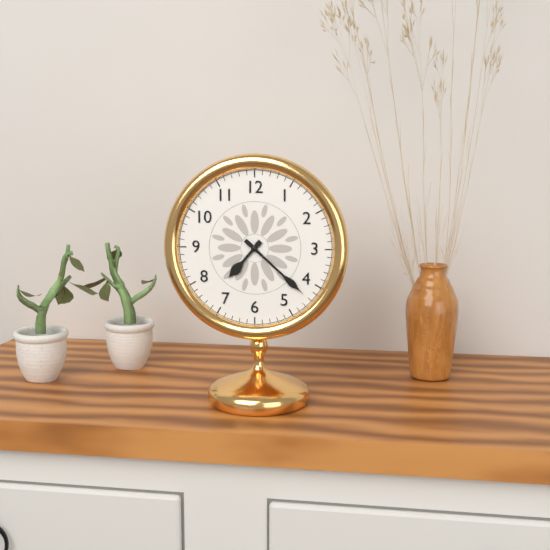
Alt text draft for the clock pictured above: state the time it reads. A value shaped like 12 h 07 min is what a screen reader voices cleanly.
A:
7 h 22 min
